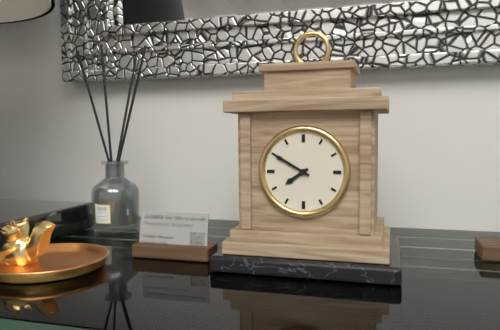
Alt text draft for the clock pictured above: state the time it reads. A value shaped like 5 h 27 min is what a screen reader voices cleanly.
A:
7 h 50 min
